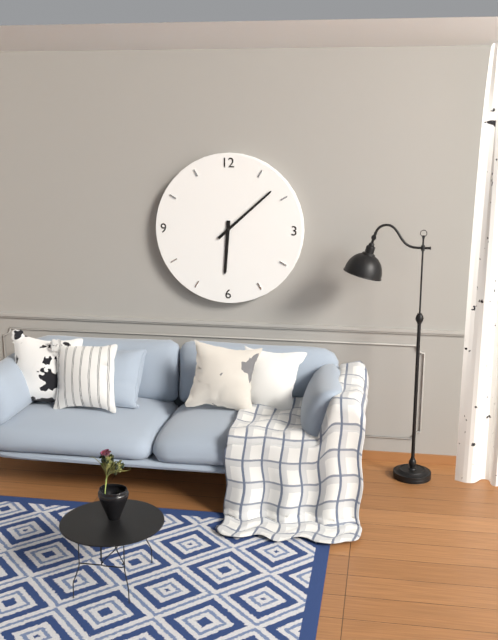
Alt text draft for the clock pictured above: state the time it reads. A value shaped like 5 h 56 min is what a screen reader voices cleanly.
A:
6 h 08 min
